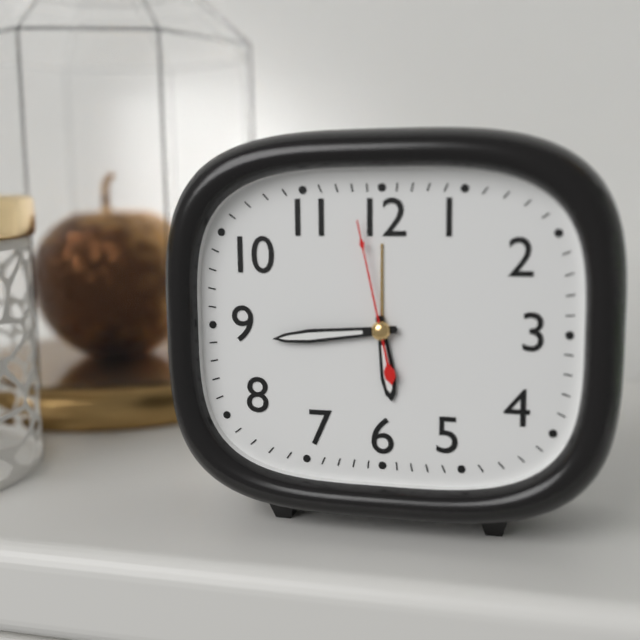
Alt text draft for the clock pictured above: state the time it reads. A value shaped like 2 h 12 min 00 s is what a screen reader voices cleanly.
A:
5 h 44 min 58 s
